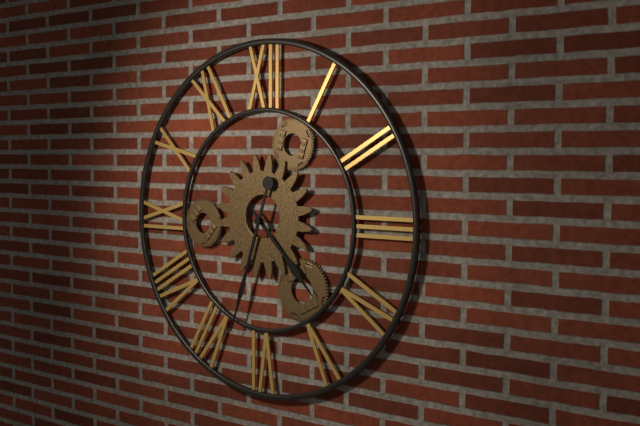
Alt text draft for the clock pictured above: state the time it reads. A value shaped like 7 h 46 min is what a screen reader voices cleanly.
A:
4 h 33 min
